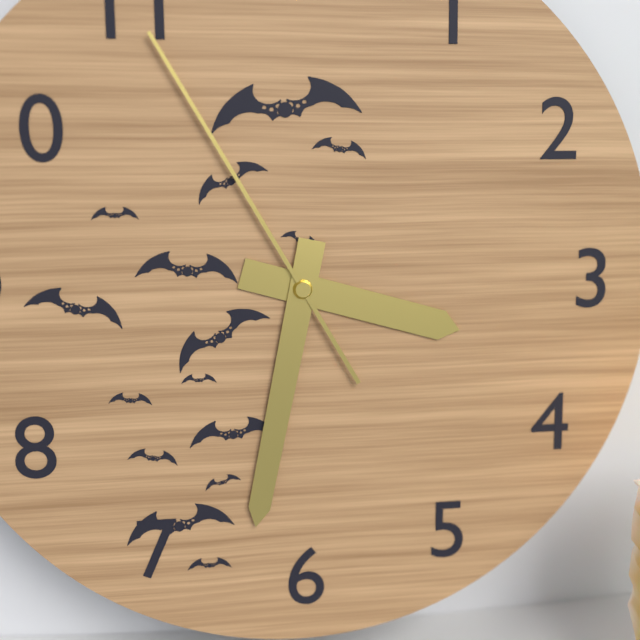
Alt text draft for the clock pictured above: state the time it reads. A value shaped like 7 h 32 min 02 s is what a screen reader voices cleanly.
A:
3 h 32 min 55 s
